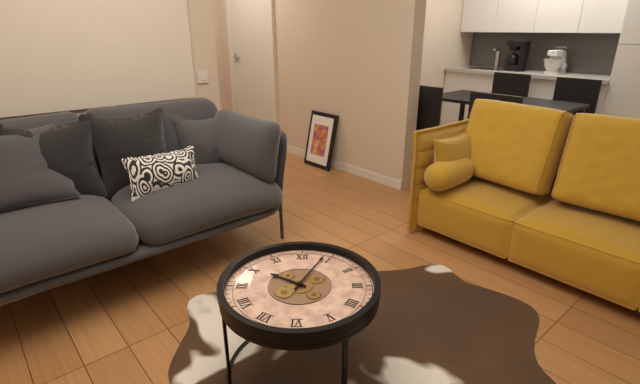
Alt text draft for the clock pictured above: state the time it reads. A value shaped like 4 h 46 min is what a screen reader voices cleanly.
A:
10 h 04 min
